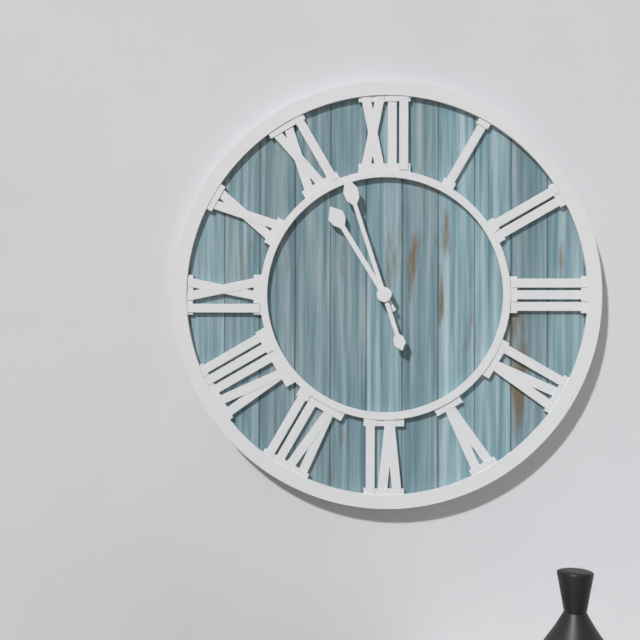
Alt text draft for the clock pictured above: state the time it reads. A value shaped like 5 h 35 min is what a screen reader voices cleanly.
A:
10 h 57 min
